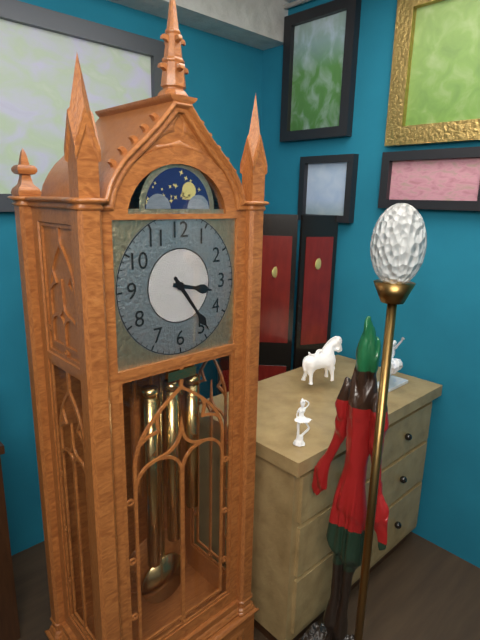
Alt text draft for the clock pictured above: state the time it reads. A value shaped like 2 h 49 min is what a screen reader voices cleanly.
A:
3 h 24 min
